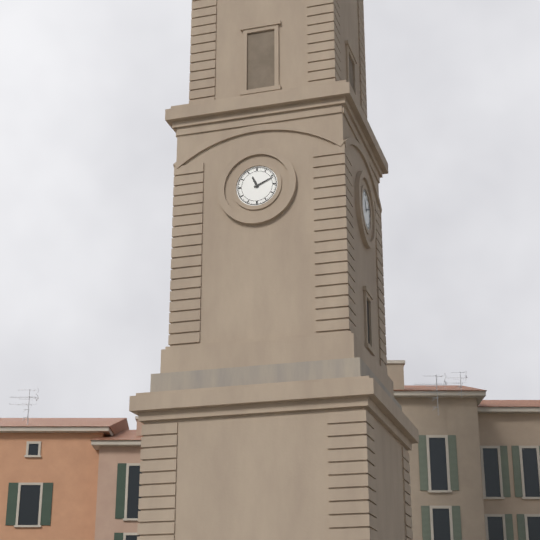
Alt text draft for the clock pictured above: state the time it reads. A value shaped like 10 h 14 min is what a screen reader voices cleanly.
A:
11 h 11 min
